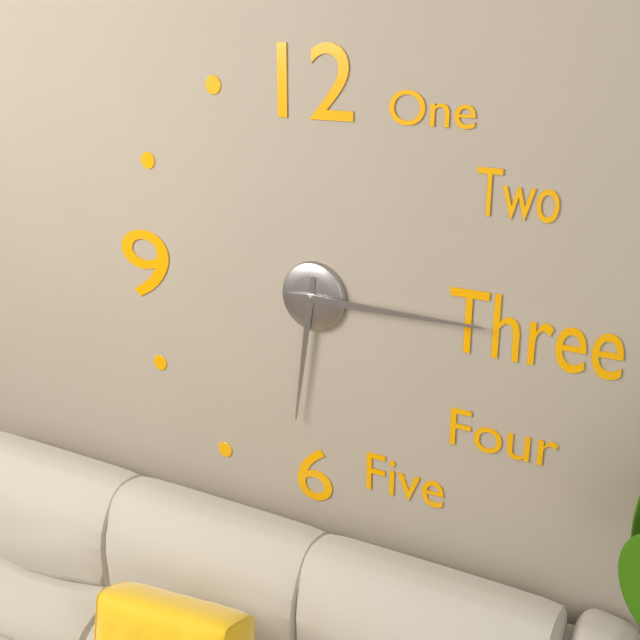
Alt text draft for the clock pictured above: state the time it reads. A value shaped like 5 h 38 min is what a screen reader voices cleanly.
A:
6 h 15 min
